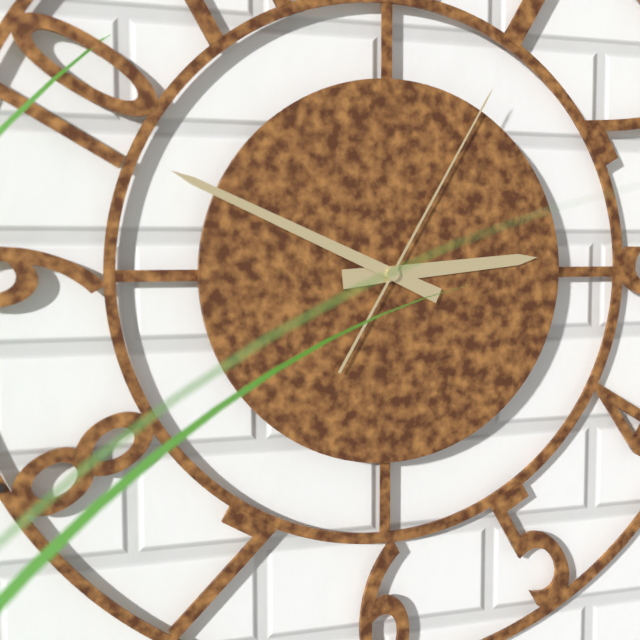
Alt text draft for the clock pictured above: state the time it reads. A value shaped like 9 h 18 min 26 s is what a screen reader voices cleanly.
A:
2 h 49 min 05 s
